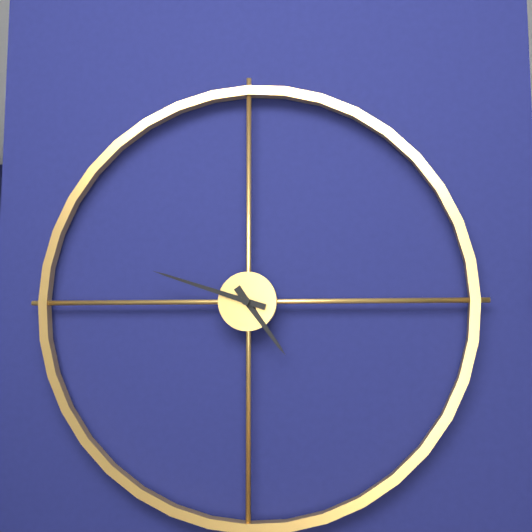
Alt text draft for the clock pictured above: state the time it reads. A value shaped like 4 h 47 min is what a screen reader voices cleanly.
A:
4 h 48 min
